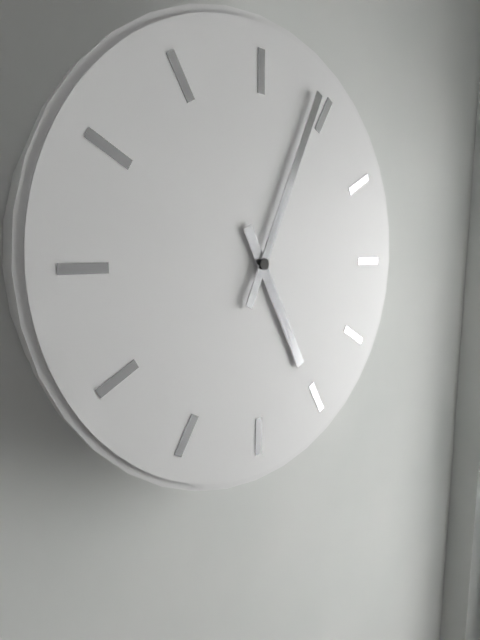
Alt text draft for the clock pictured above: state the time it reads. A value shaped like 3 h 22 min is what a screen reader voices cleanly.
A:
5 h 04 min
